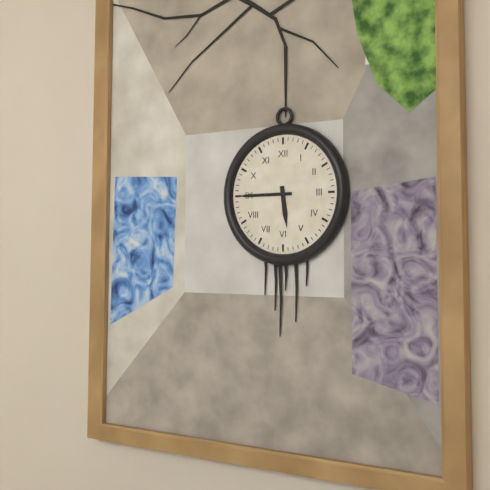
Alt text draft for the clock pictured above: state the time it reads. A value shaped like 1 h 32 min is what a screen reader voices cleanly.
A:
5 h 45 min
